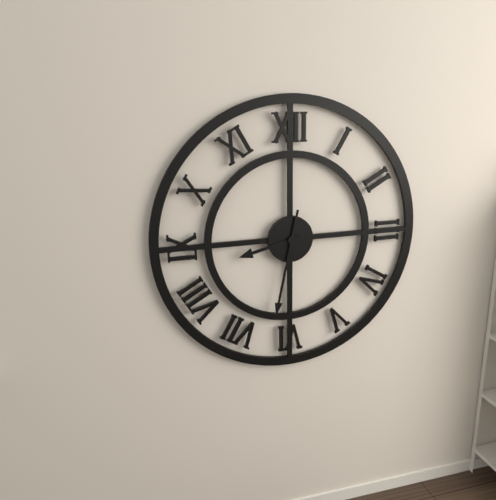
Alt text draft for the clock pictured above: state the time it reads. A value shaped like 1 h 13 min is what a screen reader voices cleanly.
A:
8 h 32 min
